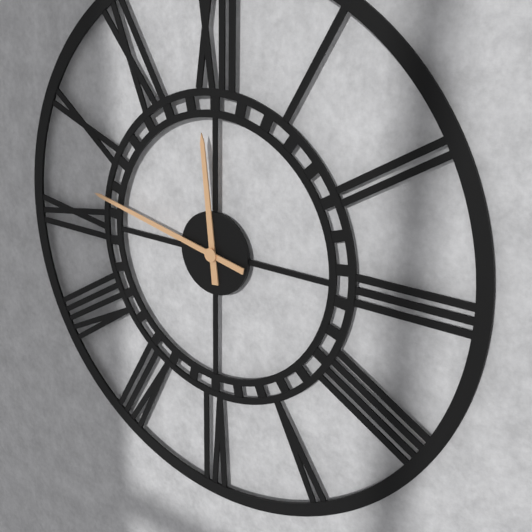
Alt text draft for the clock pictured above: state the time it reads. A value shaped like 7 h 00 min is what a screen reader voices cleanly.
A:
11 h 47 min
